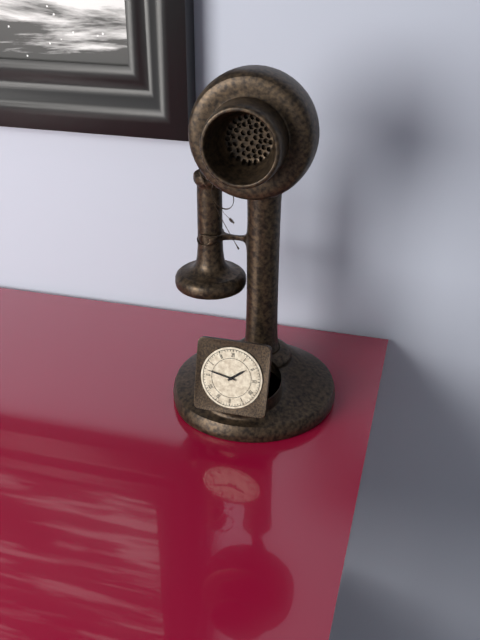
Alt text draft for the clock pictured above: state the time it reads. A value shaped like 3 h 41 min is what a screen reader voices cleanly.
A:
1 h 47 min
